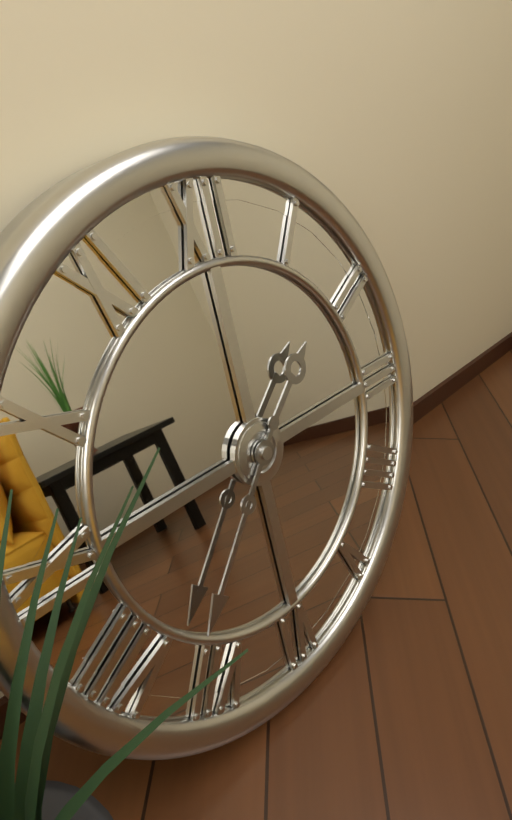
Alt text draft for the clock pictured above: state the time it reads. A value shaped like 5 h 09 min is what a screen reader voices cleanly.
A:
1 h 37 min
